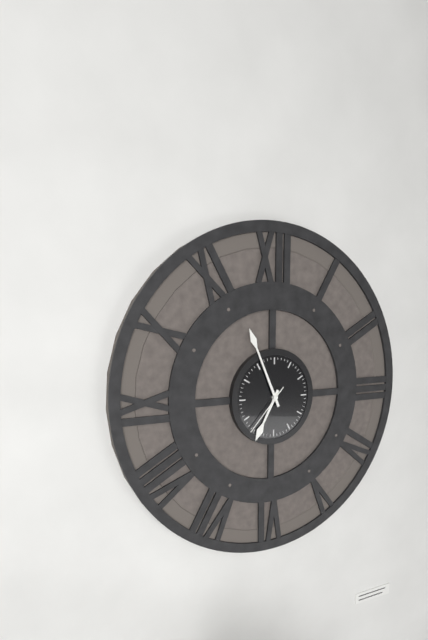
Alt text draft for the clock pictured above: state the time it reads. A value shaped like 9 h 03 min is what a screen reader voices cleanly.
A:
6 h 56 min
